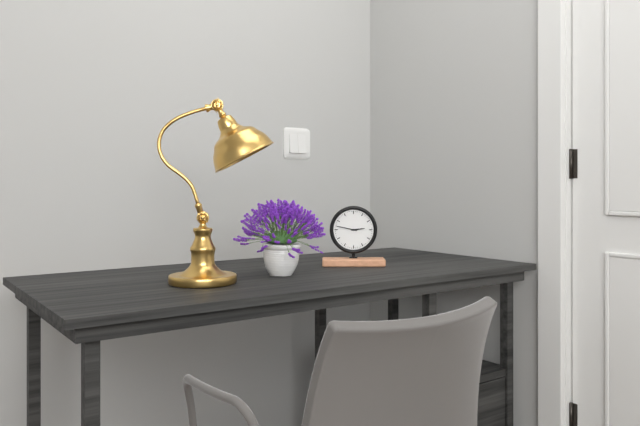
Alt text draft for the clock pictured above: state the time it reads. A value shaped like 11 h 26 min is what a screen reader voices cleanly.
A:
2 h 47 min
